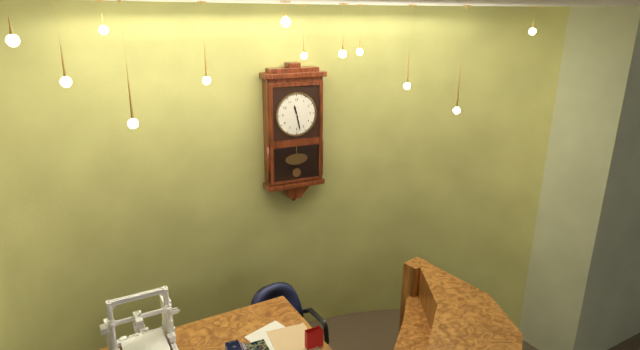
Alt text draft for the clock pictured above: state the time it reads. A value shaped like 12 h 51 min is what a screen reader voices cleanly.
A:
11 h 28 min
